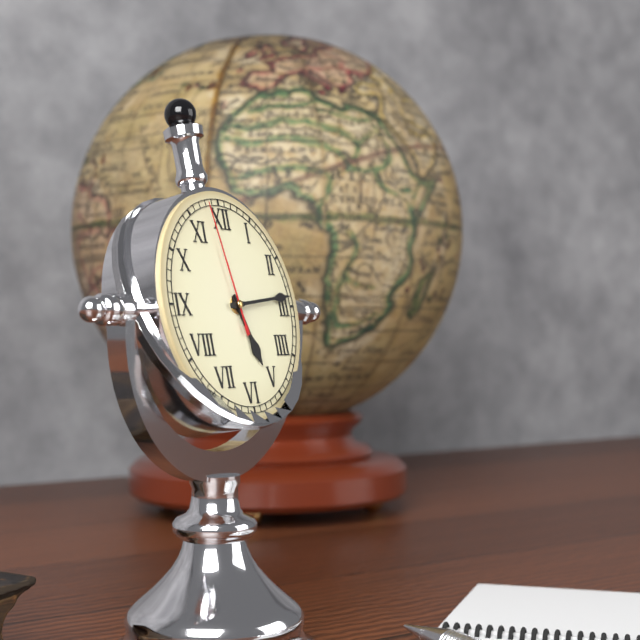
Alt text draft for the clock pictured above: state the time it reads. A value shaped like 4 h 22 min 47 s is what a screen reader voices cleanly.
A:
5 h 14 min 58 s
